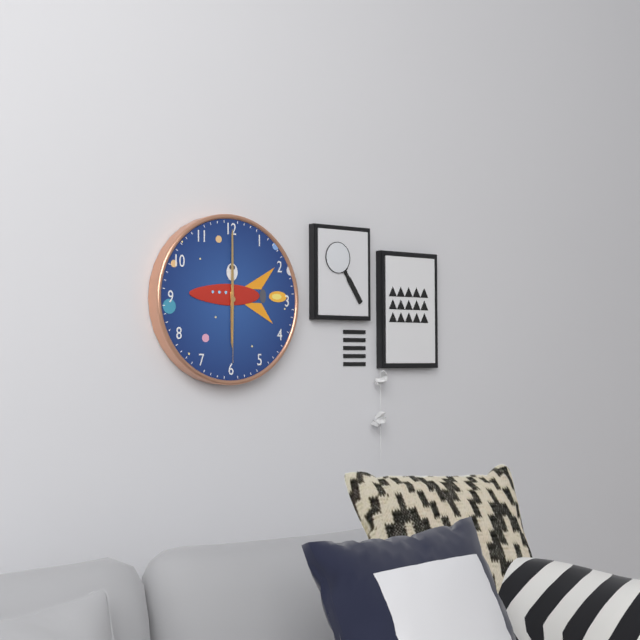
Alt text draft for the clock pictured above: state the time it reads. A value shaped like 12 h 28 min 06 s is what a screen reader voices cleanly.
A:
6 h 00 min 30 s
